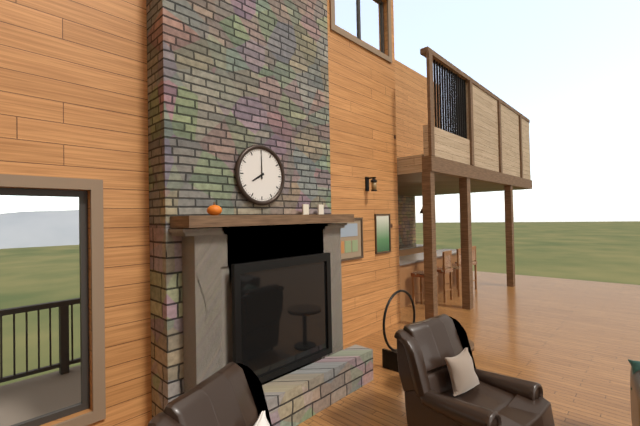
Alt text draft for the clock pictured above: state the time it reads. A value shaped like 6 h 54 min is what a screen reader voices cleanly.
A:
8 h 00 min
